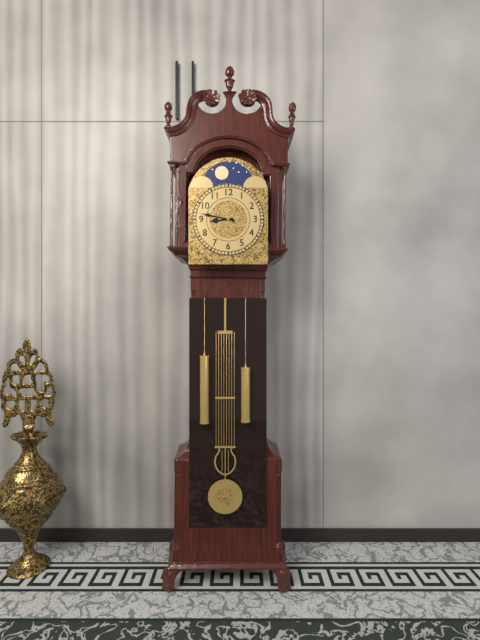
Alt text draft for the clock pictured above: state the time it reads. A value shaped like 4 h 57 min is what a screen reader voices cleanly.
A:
8 h 47 min
